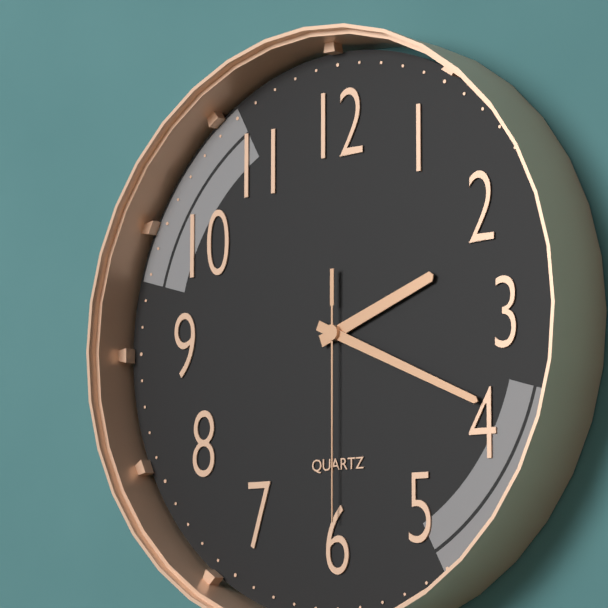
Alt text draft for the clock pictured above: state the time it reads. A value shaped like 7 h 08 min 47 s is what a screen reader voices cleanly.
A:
2 h 19 min 30 s
